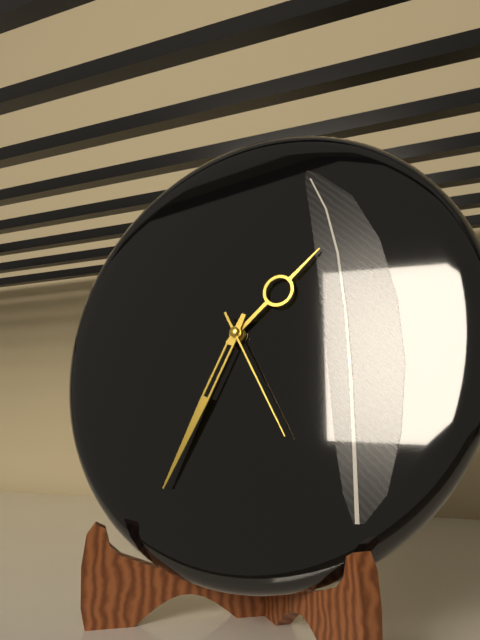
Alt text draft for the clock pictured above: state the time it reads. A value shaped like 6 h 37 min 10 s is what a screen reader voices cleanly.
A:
1 h 34 min 25 s
